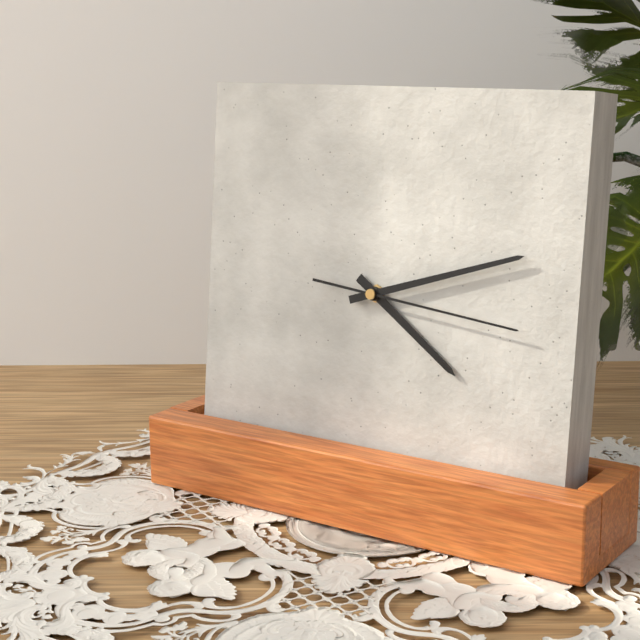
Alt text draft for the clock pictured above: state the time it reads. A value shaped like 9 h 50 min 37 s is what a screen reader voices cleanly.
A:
4 h 12 min 16 s
